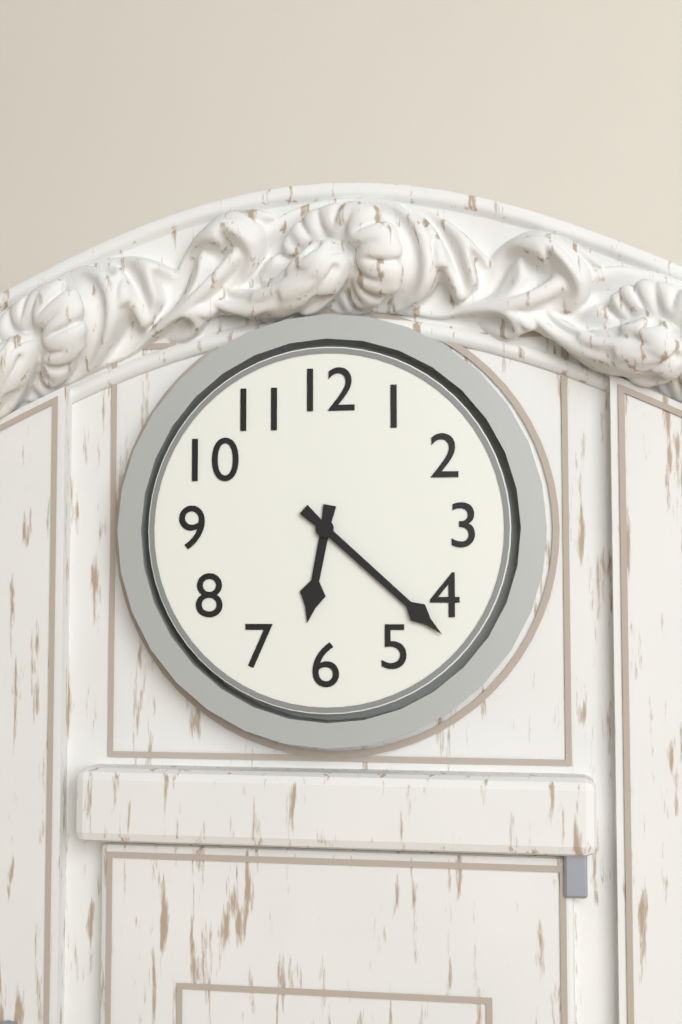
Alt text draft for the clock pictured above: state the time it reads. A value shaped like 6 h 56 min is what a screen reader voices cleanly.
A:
6 h 22 min
